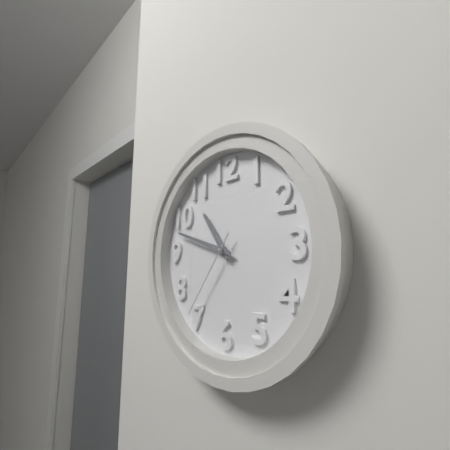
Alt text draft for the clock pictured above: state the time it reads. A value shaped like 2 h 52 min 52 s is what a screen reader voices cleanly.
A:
10 h 48 min 36 s
